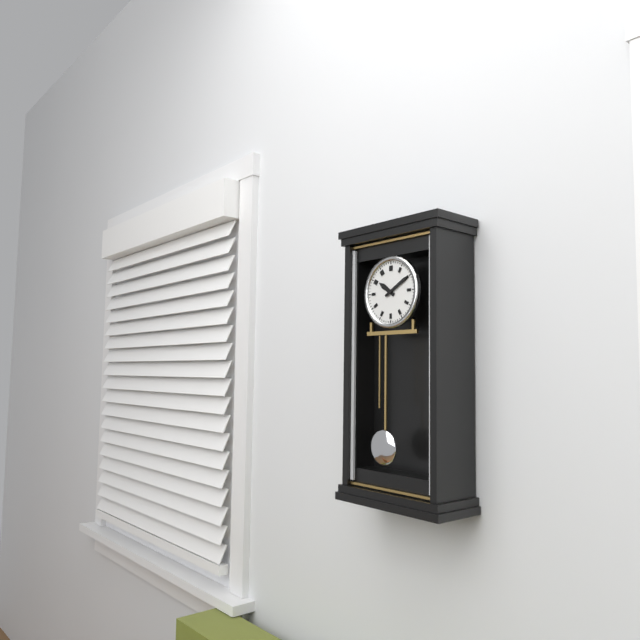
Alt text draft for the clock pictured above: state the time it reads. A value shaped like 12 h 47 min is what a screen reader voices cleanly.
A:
10 h 10 min
